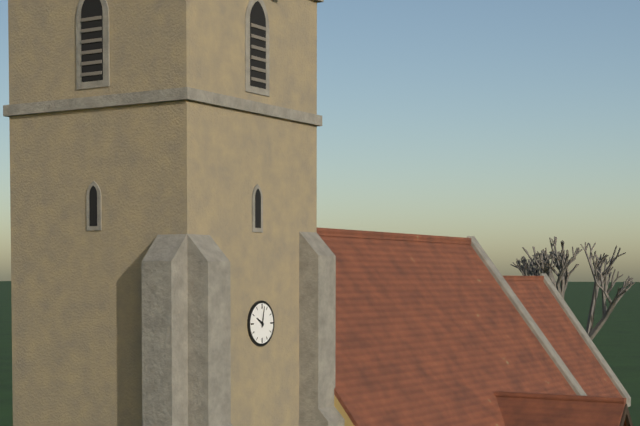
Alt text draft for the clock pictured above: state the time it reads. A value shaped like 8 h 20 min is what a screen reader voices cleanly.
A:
10 h 02 min
